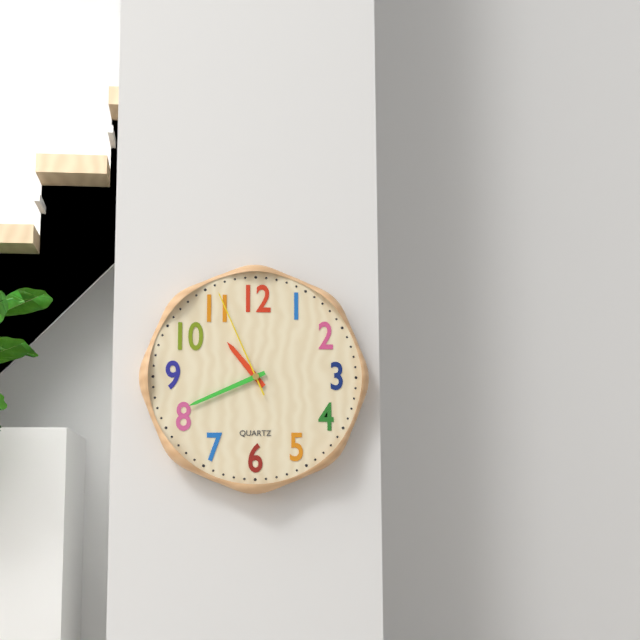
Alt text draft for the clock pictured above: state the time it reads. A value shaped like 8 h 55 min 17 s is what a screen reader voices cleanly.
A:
10 h 41 min 56 s
